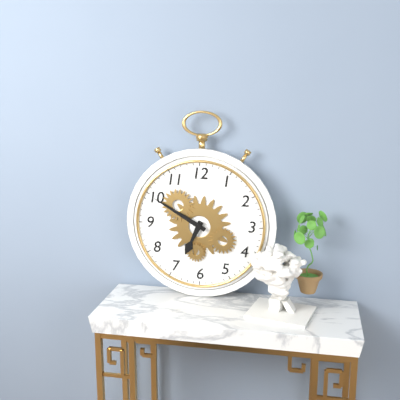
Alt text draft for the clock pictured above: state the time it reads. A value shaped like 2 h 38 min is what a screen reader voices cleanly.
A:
6 h 50 min
